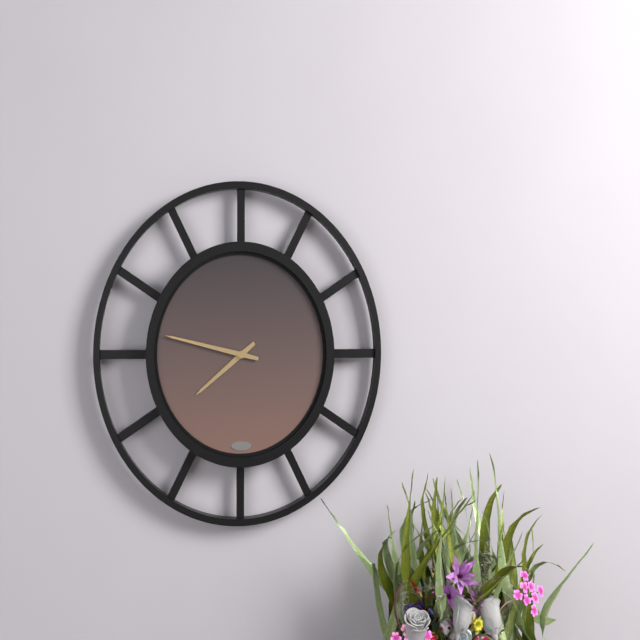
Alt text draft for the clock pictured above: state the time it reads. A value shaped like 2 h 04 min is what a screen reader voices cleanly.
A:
7 h 47 min
